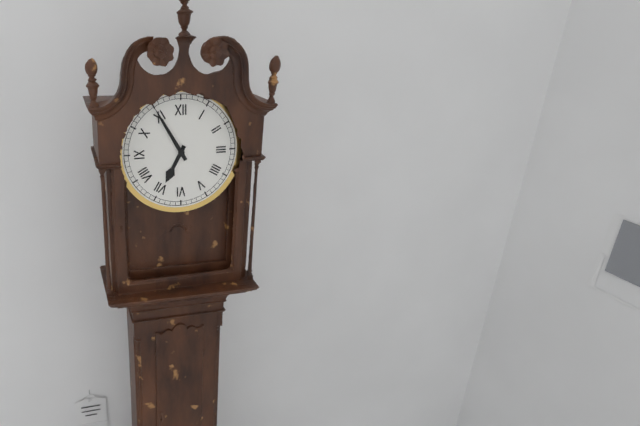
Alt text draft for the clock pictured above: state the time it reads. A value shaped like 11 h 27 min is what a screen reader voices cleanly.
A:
6 h 55 min
